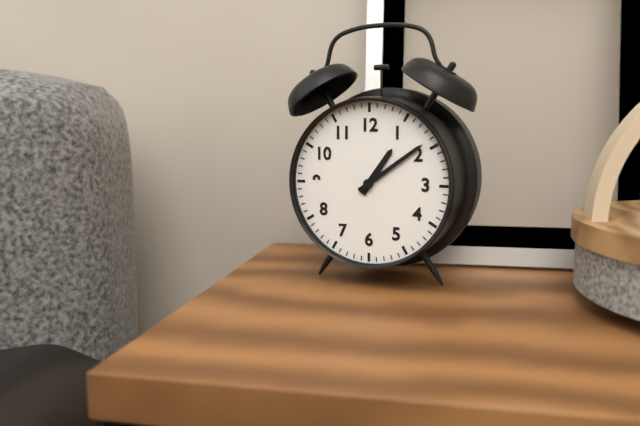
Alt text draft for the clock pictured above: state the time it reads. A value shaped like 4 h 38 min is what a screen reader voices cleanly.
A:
1 h 09 min
